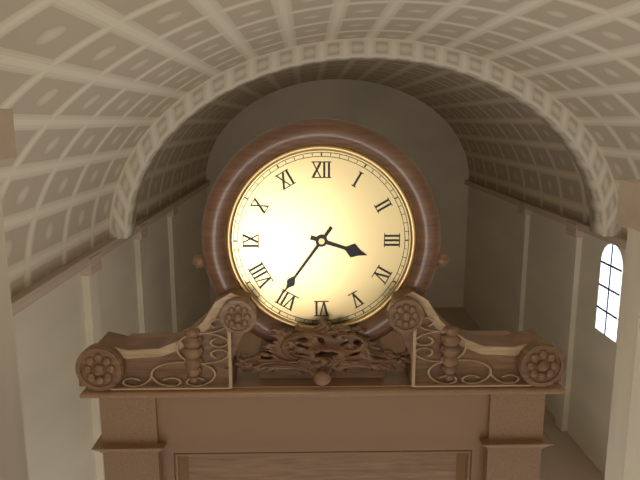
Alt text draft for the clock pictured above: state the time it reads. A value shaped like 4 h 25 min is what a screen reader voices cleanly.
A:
3 h 36 min
